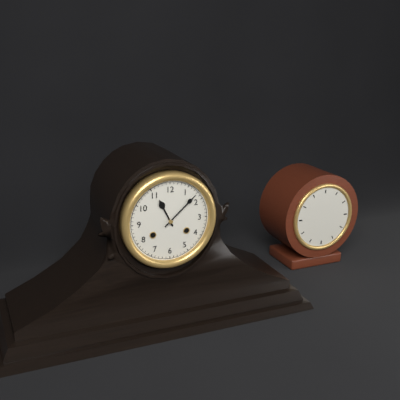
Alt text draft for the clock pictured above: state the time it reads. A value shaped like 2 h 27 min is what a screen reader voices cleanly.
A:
11 h 08 min
